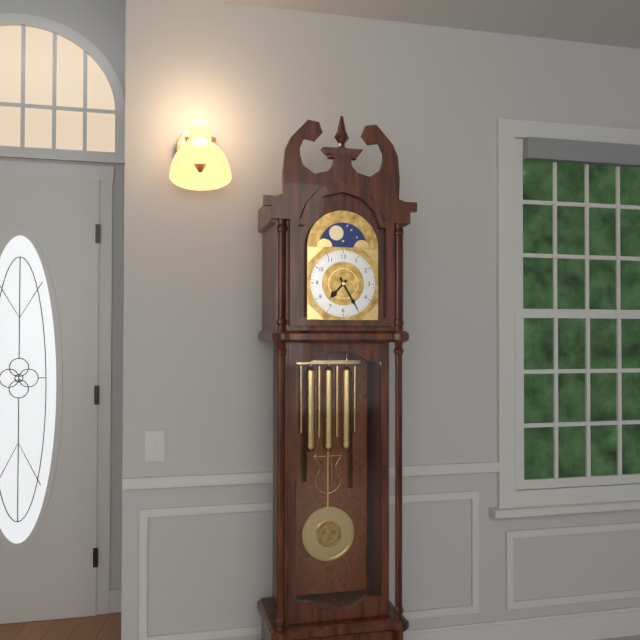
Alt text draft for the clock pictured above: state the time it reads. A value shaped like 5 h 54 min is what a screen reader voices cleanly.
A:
7 h 25 min
